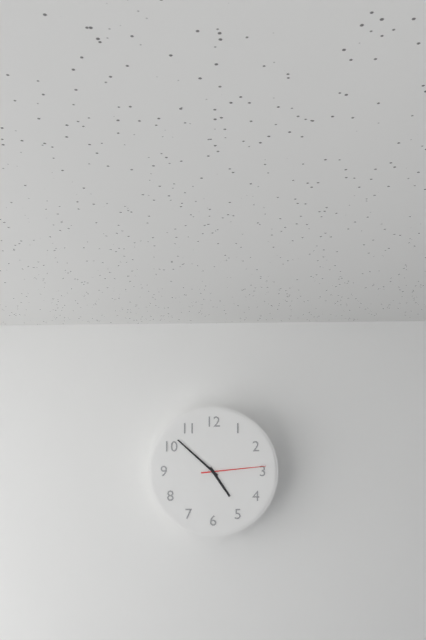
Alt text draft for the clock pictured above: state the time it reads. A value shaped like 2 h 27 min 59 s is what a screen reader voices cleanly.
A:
4 h 52 min 14 s
